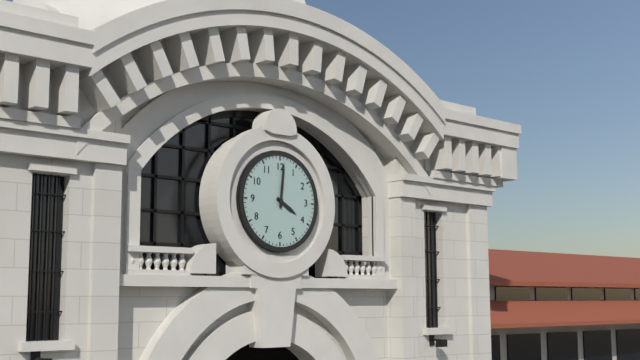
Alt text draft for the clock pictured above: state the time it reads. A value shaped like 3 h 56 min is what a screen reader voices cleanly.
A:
4 h 01 min
